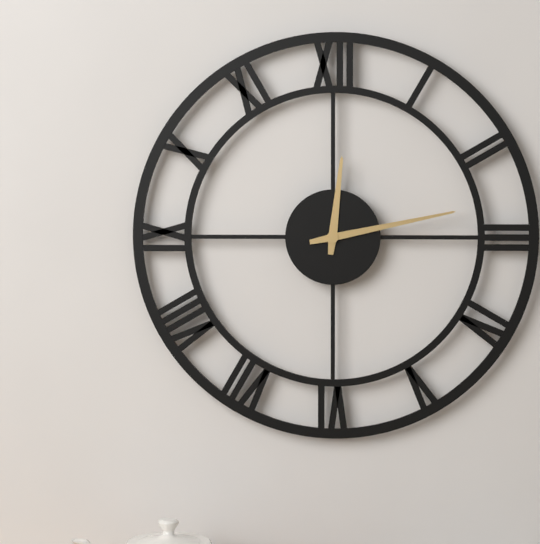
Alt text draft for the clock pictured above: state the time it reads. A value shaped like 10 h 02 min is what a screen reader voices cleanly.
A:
12 h 13 min
